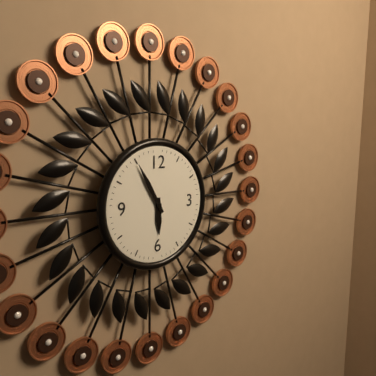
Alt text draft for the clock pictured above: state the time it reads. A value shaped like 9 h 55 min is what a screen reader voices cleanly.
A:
5 h 55 min
